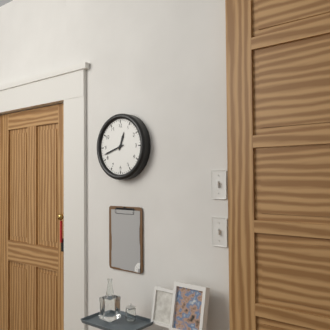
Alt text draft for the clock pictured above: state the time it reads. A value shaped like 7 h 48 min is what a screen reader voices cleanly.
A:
12 h 42 min
